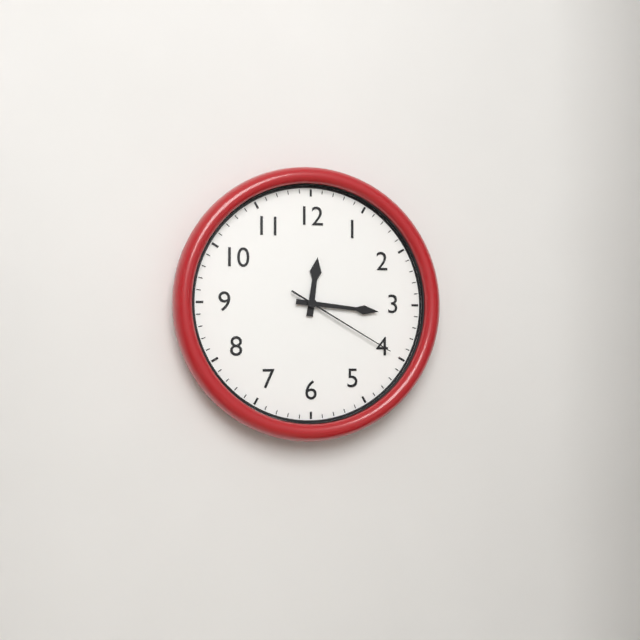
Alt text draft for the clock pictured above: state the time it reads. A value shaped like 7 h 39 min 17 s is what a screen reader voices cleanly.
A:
12 h 16 min 20 s
